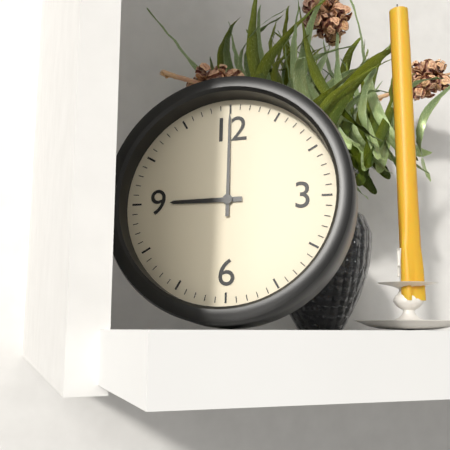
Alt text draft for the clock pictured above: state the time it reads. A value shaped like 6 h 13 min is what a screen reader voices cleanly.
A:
9 h 00 min
